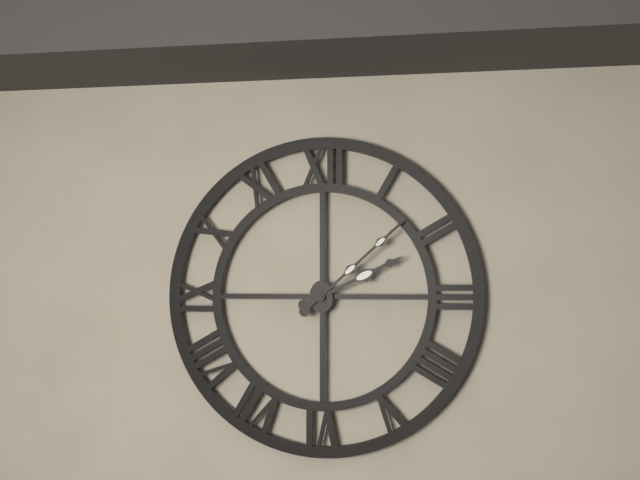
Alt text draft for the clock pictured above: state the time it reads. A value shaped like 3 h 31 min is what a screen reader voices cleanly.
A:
2 h 08 min
